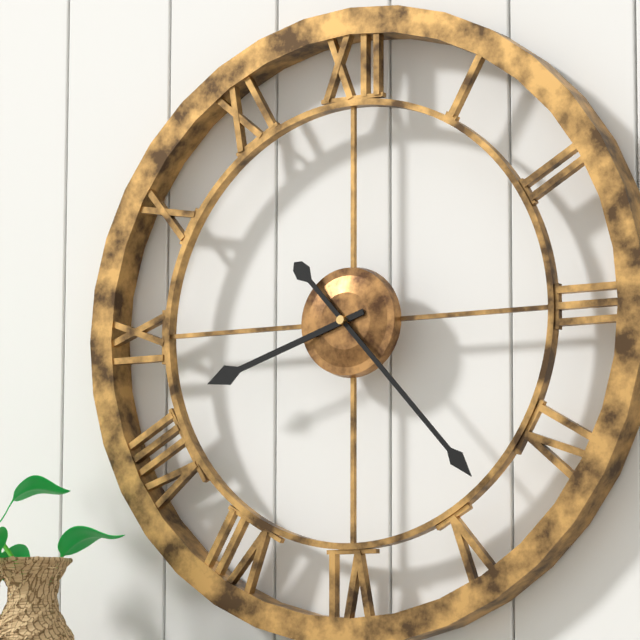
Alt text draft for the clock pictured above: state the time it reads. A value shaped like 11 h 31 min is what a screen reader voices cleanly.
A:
8 h 23 min
